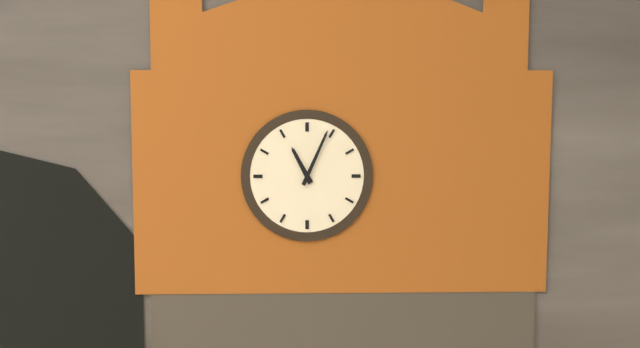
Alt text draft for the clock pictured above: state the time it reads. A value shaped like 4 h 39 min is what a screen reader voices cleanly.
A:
11 h 04 min
